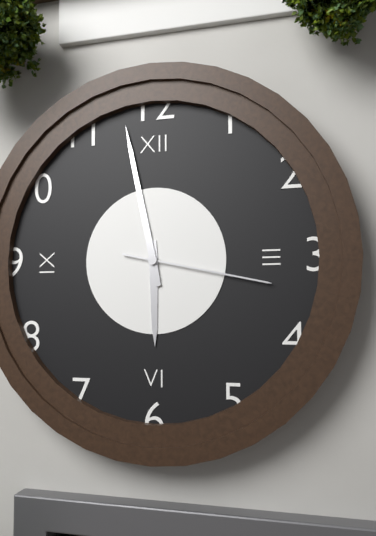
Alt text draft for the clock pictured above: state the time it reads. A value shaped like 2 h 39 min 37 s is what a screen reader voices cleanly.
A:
5 h 58 min 17 s
